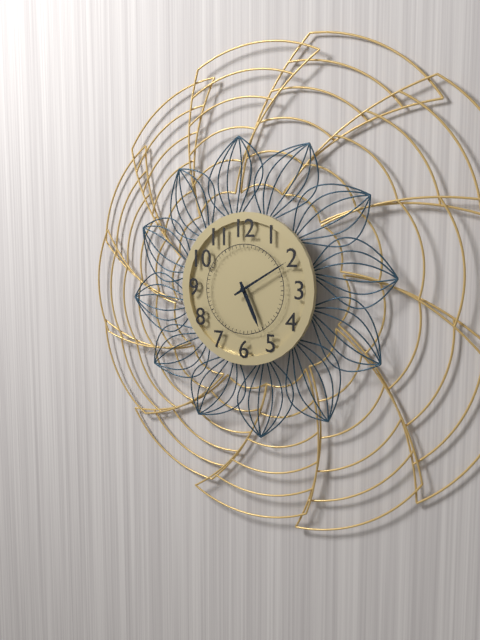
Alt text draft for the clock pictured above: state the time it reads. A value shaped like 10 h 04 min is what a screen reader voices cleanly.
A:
5 h 10 min
